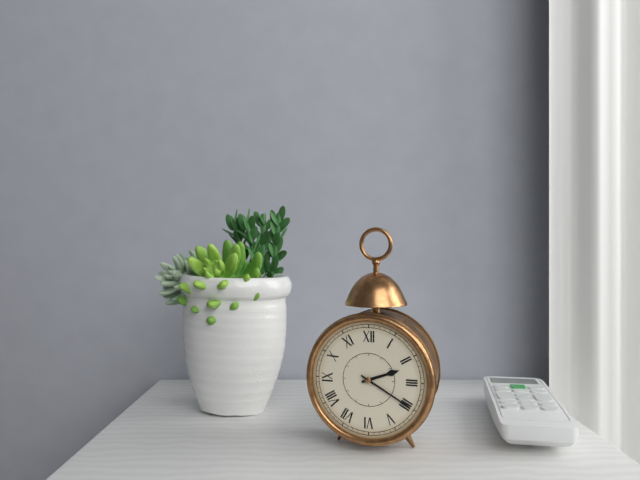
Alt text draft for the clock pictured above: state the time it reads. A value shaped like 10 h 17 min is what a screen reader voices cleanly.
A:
2 h 20 min
